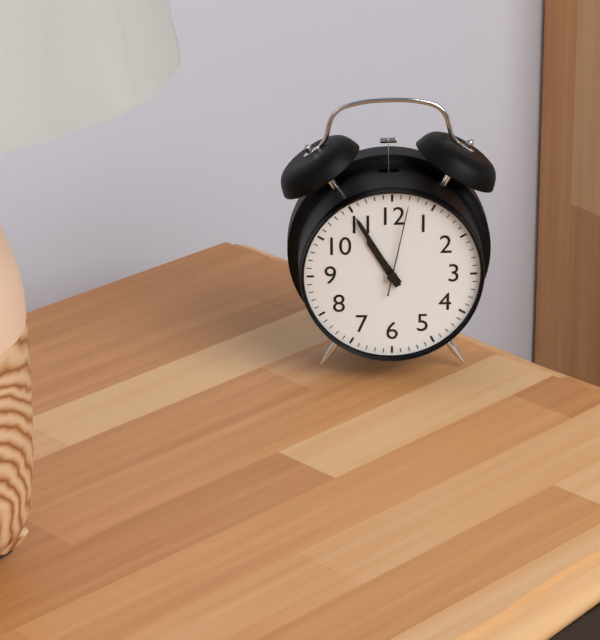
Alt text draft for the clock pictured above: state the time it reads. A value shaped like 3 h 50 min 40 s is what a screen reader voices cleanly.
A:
10 h 55 min 02 s
